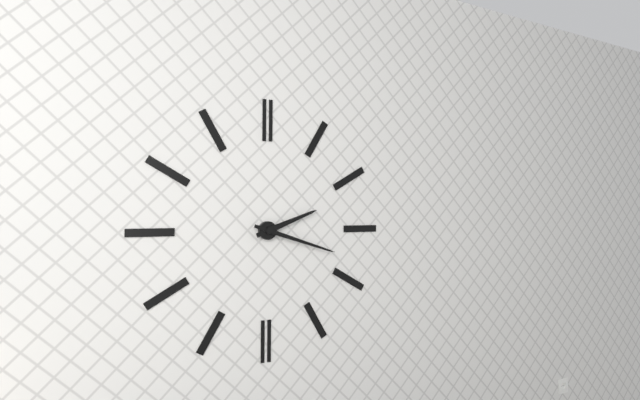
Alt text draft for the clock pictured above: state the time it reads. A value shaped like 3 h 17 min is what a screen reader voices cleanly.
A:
2 h 18 min
